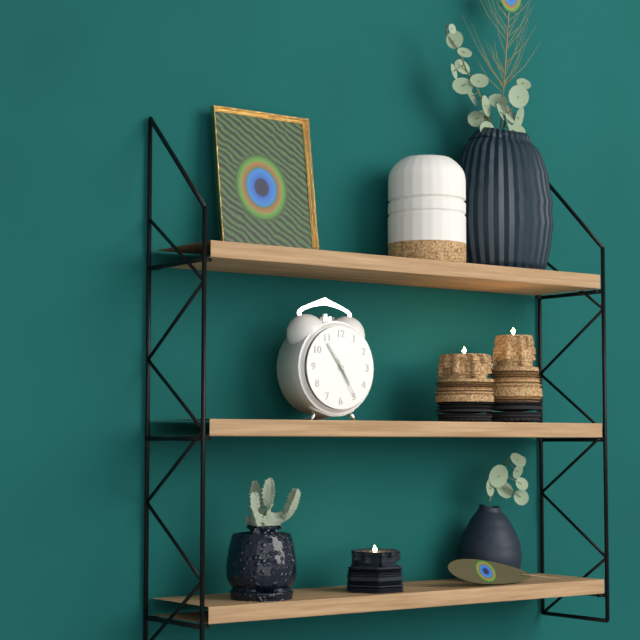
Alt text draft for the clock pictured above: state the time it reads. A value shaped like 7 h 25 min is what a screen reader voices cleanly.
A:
4 h 54 min
